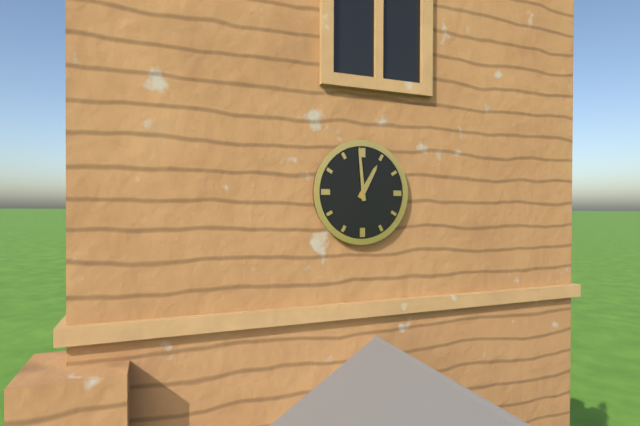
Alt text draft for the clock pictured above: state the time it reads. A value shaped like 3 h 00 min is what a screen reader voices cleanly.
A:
12 h 59 min
